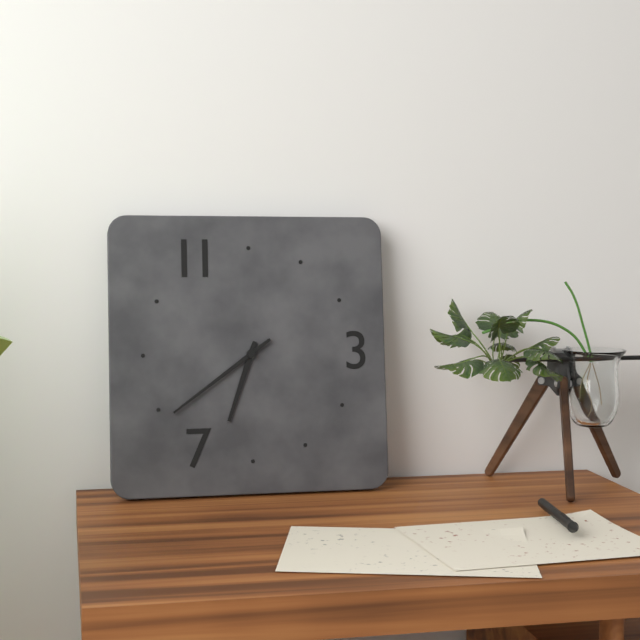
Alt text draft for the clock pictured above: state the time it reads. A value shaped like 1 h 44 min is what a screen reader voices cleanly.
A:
6 h 39 min
